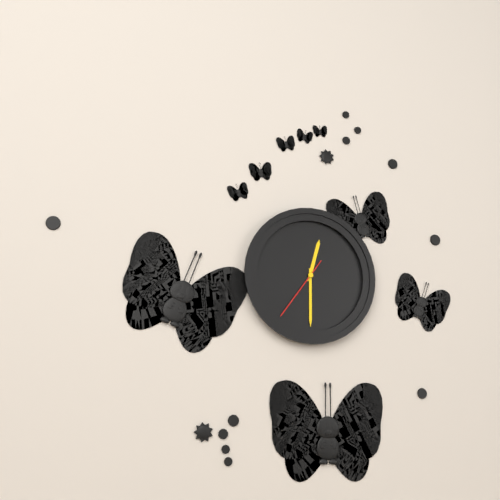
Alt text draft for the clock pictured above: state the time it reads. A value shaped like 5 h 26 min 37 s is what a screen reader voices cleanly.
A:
12 h 30 min 36 s
